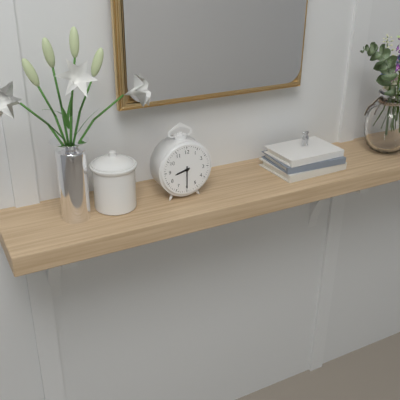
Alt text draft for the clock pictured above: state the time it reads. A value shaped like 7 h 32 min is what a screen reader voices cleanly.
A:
8 h 30 min
